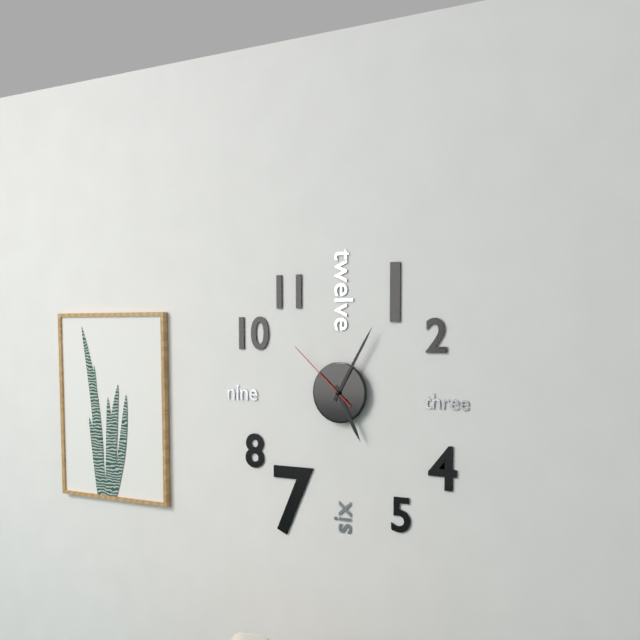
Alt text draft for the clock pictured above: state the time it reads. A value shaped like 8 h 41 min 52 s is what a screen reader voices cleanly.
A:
5 h 05 min 52 s
